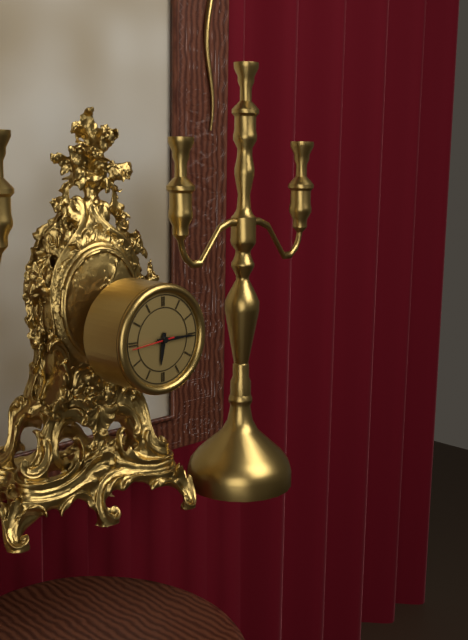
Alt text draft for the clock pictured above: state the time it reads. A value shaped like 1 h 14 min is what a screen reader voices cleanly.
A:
6 h 15 min
